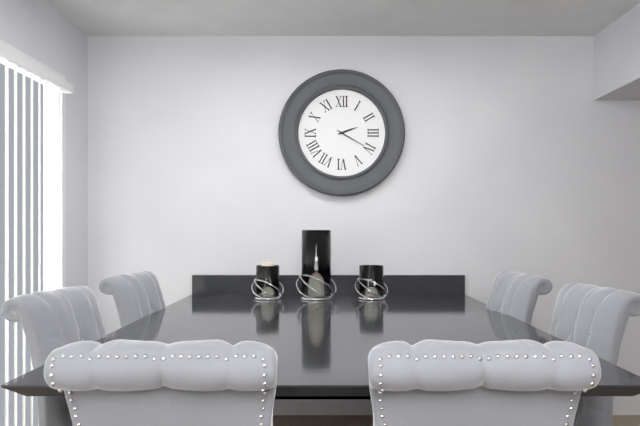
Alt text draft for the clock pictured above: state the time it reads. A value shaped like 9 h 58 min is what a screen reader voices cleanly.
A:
2 h 20 min
